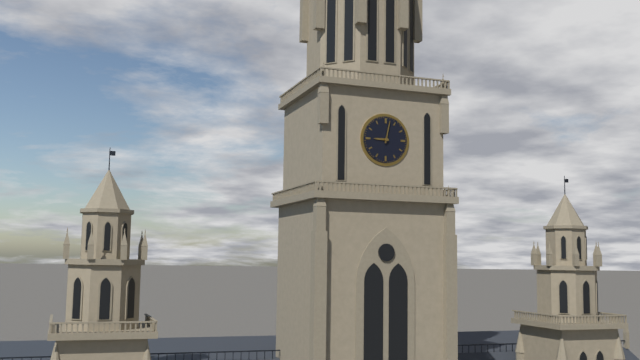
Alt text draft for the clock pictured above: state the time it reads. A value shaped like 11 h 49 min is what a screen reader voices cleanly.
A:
9 h 02 min
